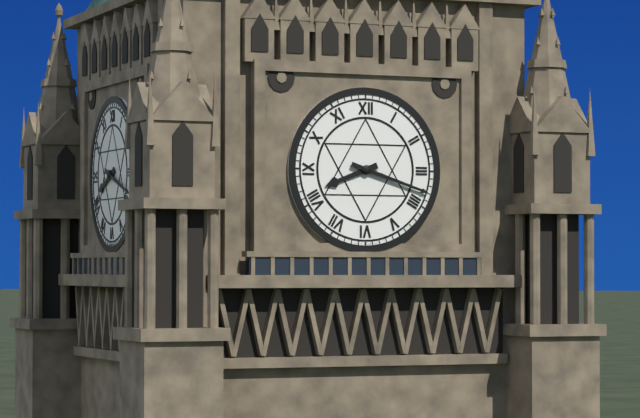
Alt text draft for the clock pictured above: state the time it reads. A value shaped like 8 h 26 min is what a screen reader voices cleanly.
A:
8 h 18 min
